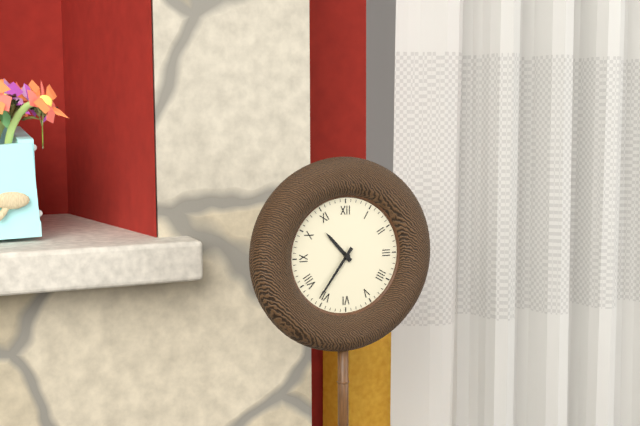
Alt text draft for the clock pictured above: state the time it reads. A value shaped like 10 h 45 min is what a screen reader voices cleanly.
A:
10 h 36 min
